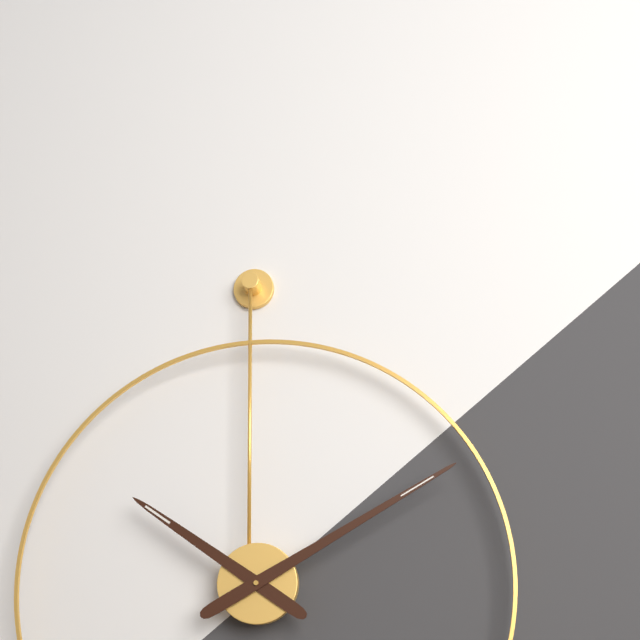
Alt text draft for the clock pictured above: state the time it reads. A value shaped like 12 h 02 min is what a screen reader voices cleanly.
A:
10 h 10 min
